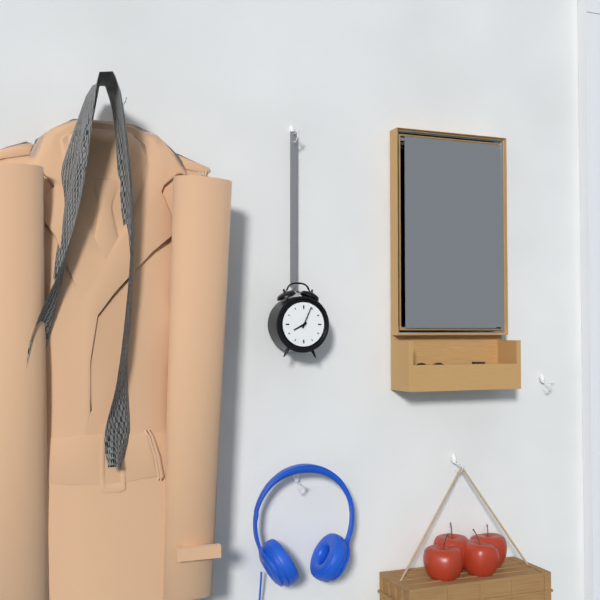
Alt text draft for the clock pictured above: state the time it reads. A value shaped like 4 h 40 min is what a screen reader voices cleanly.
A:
8 h 04 min
